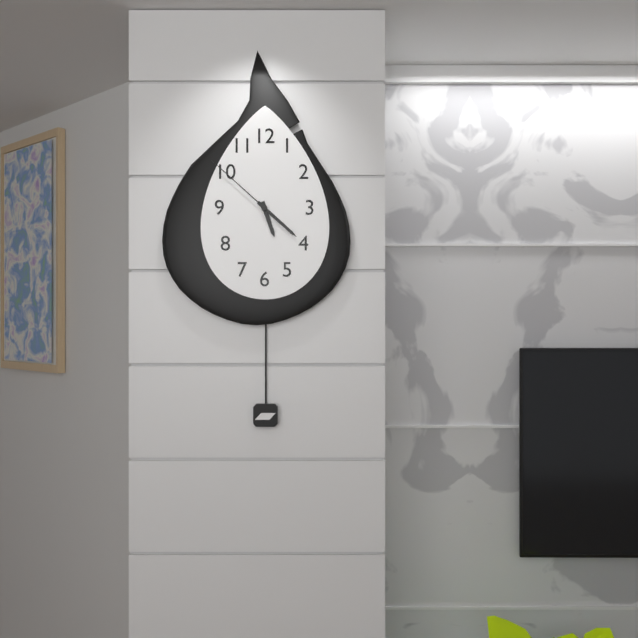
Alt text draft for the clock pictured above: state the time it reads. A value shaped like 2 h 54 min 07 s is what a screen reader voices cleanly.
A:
5 h 22 min 52 s
